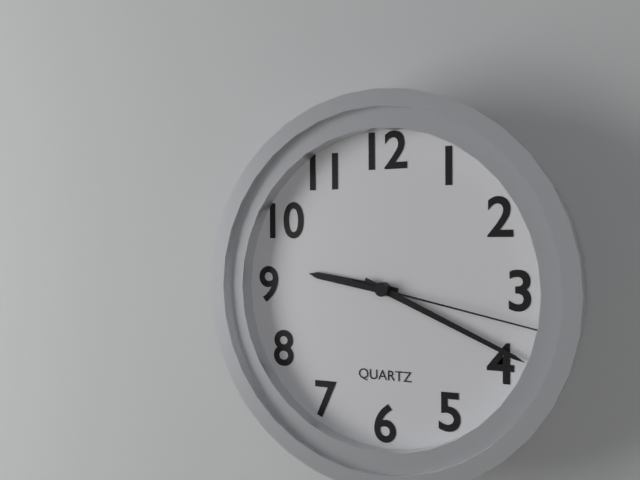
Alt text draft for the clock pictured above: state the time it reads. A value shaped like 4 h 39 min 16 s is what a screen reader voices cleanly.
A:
9 h 19 min 17 s
